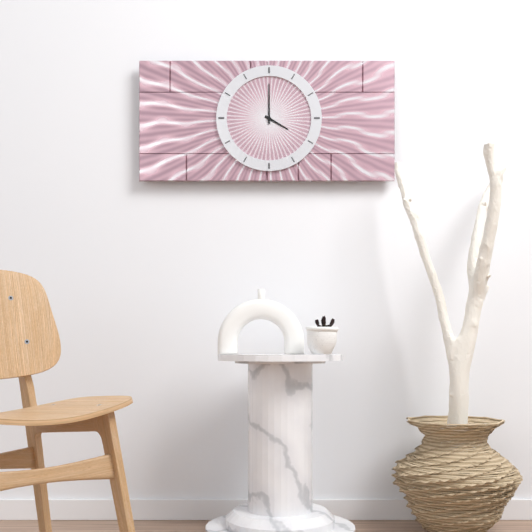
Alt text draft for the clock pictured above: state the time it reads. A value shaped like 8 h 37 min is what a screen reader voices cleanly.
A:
4 h 00 min
